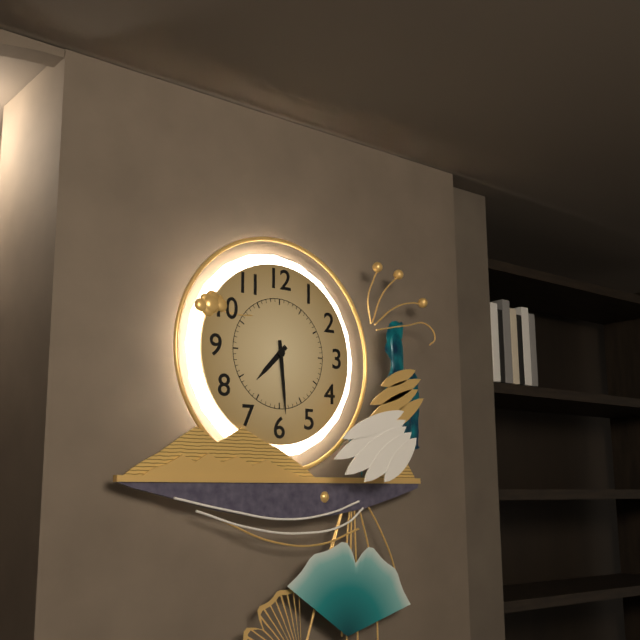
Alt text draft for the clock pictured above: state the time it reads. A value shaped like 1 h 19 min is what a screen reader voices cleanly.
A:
7 h 29 min
